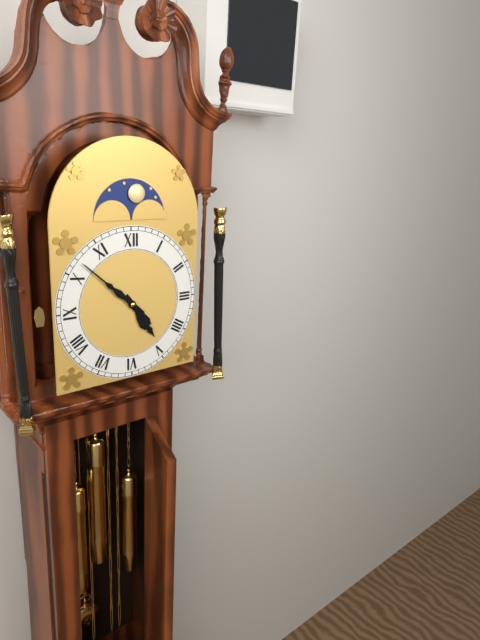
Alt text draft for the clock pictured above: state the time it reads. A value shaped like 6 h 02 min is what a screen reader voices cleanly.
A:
4 h 52 min
